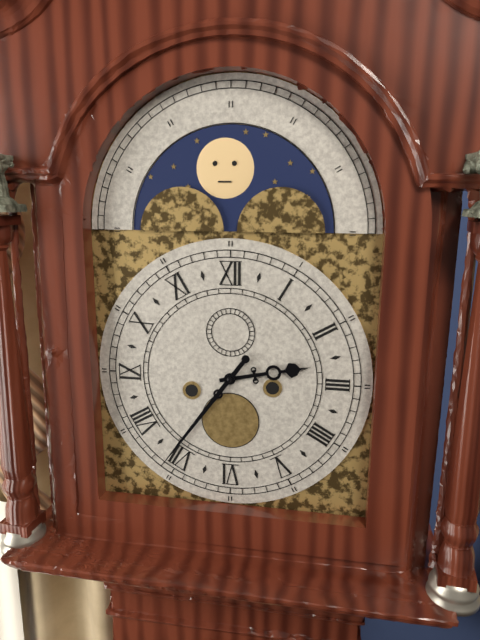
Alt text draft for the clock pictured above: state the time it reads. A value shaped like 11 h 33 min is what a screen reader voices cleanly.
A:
2 h 36 min
